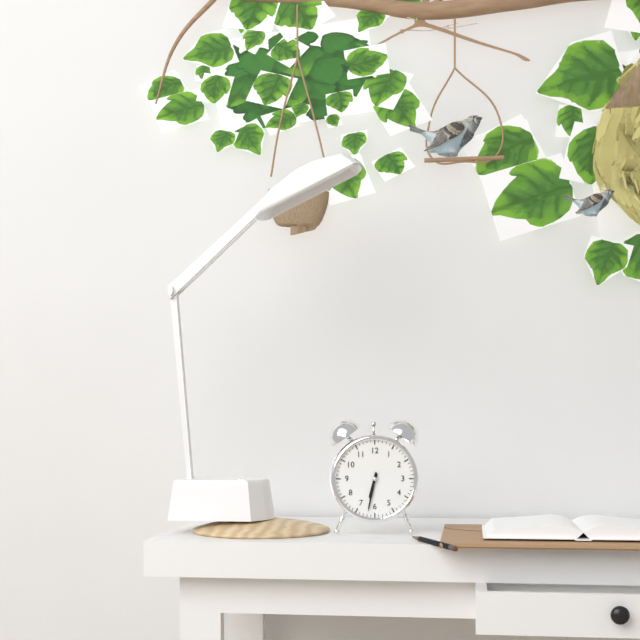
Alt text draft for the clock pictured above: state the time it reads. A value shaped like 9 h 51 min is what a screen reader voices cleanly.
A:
6 h 32 min
